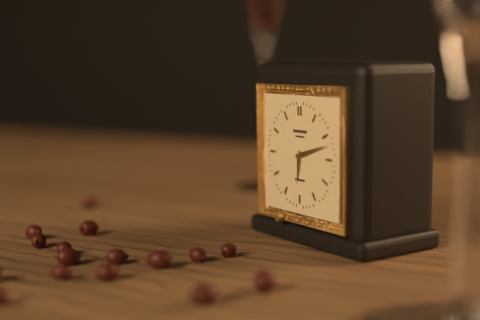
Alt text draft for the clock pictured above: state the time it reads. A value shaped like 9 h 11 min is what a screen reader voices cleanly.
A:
6 h 12 min
